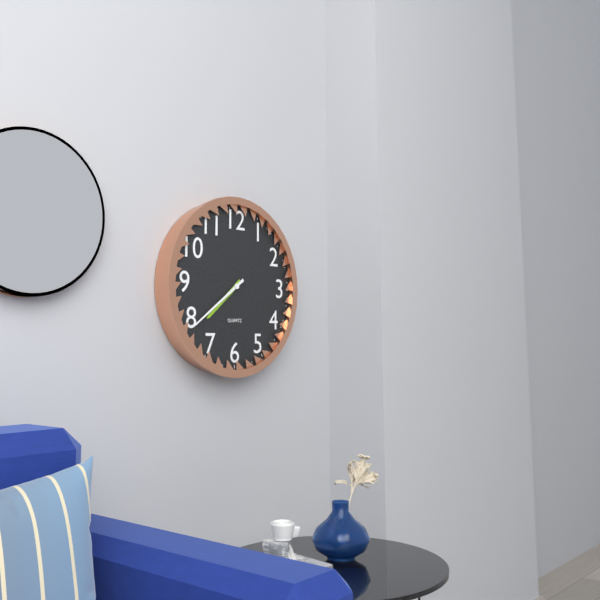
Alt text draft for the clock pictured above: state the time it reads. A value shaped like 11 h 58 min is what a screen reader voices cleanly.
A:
7 h 39 min
